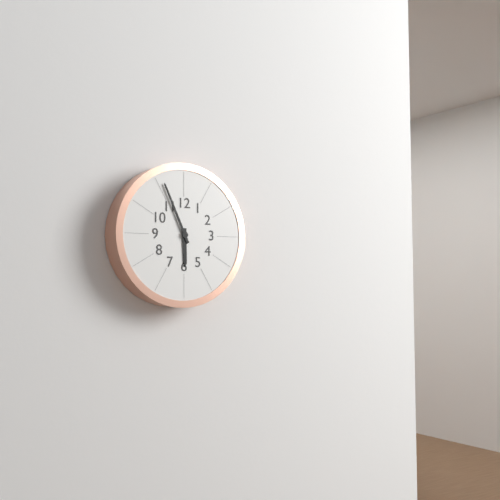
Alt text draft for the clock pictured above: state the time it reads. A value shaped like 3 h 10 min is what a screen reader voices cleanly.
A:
5 h 56 min
